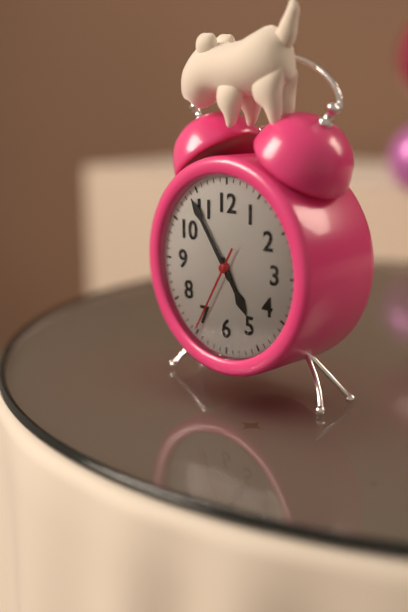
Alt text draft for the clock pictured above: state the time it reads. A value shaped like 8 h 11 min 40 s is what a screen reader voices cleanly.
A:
4 h 54 min 35 s
